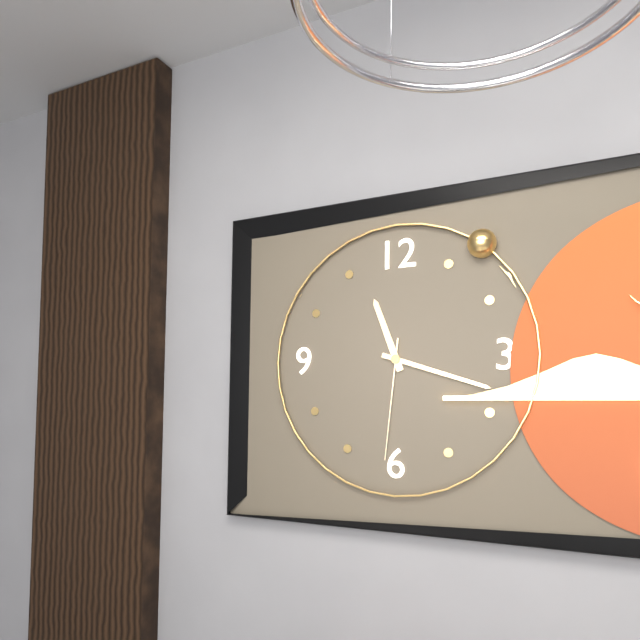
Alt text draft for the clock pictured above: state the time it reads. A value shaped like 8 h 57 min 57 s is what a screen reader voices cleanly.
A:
11 h 18 min 31 s
